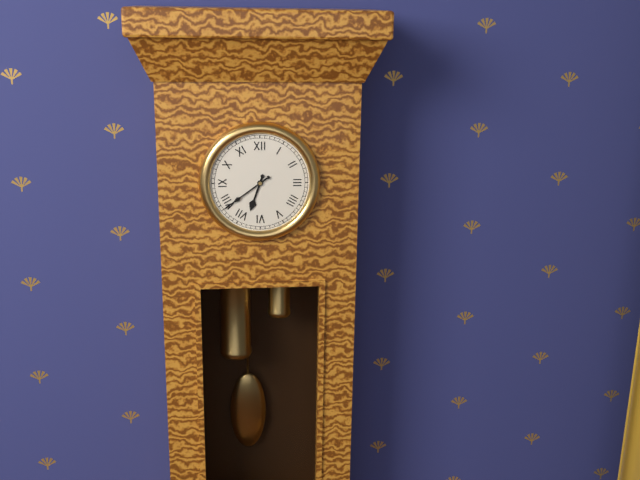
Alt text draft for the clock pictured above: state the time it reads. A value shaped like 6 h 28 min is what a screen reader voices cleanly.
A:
6 h 39 min
